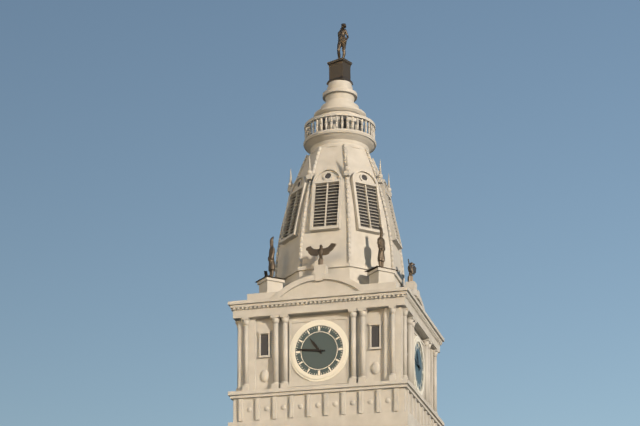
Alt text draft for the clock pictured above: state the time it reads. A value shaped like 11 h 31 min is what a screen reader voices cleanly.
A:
10 h 46 min
